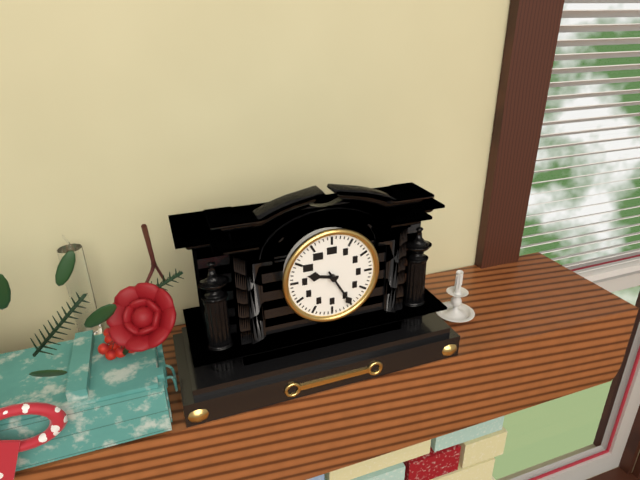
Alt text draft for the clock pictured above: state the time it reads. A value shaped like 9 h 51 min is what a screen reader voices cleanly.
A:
9 h 25 min
